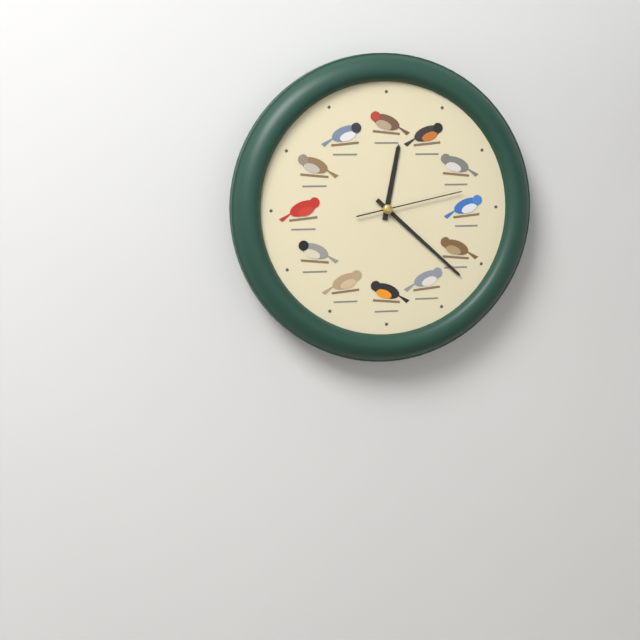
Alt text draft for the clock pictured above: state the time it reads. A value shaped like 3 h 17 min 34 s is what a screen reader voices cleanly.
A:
12 h 22 min 13 s
